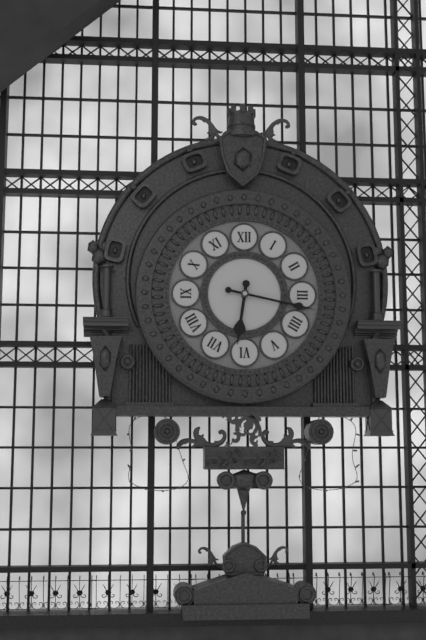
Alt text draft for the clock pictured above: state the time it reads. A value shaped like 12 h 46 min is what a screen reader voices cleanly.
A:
6 h 17 min
